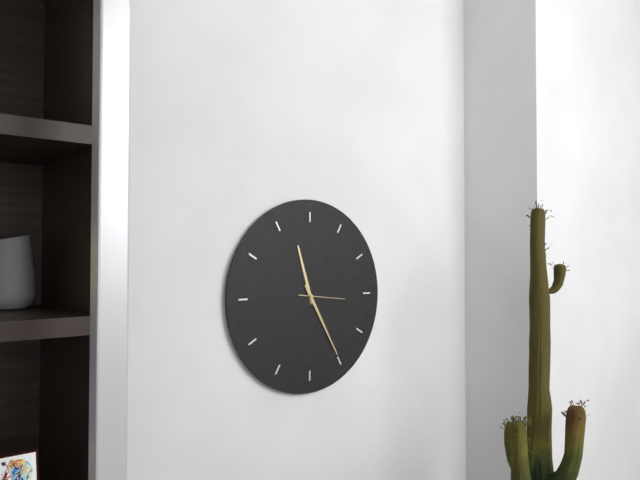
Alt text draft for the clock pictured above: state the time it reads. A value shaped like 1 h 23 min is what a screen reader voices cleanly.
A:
11 h 25 min
